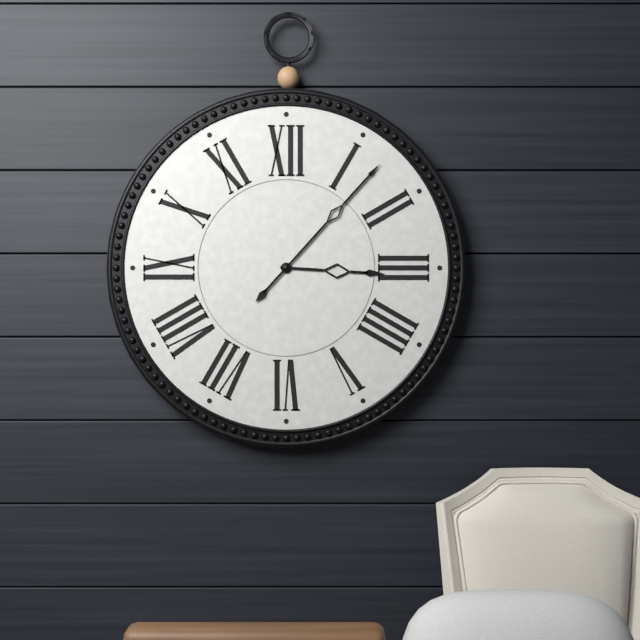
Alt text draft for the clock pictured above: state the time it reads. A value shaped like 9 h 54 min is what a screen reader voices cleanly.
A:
3 h 07 min
